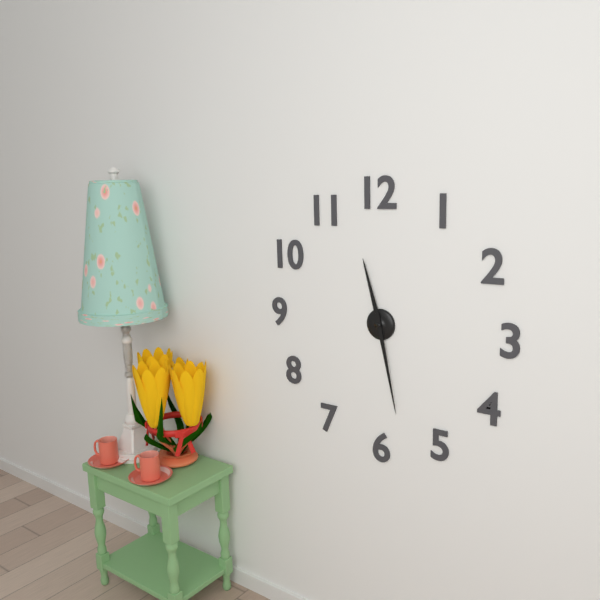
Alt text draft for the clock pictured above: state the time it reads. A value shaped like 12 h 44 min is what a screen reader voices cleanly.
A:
11 h 28 min
